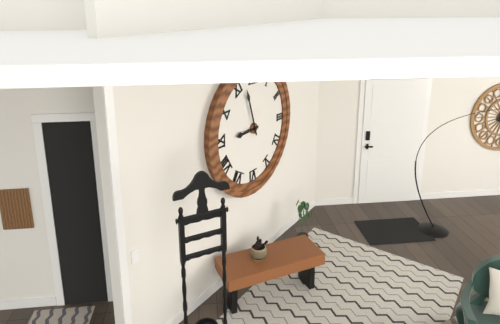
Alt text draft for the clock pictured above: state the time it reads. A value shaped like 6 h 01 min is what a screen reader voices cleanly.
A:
8 h 57 min
